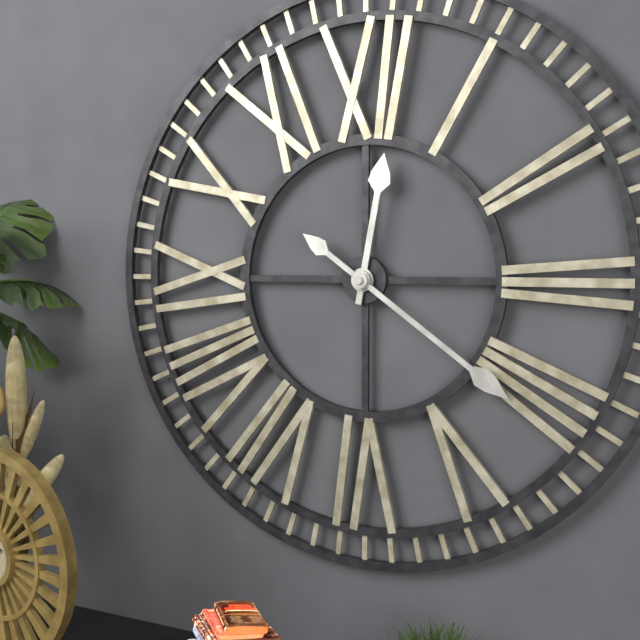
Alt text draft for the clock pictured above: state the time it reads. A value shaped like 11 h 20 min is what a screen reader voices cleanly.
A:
12 h 21 min
